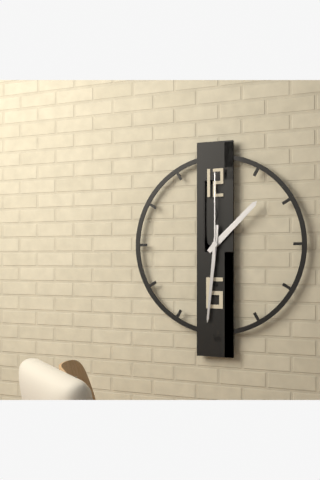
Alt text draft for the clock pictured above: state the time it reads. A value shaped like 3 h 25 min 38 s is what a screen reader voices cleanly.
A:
1 h 31 min 00 s
